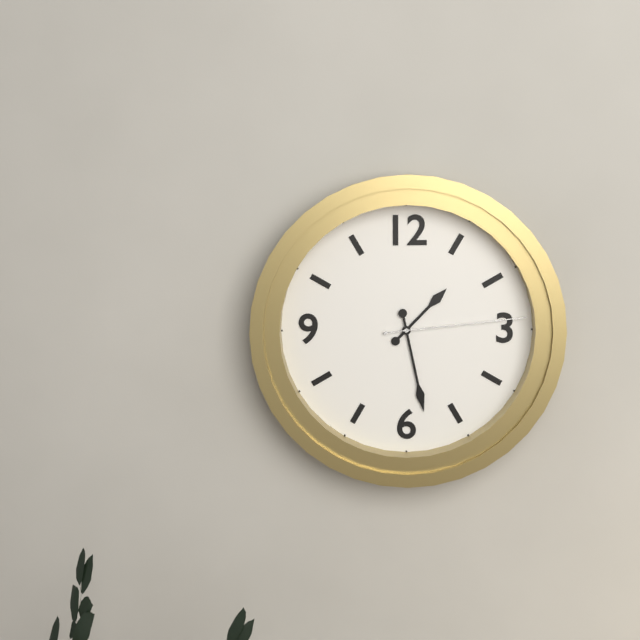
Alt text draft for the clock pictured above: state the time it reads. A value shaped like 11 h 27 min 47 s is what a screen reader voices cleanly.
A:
1 h 28 min 14 s
